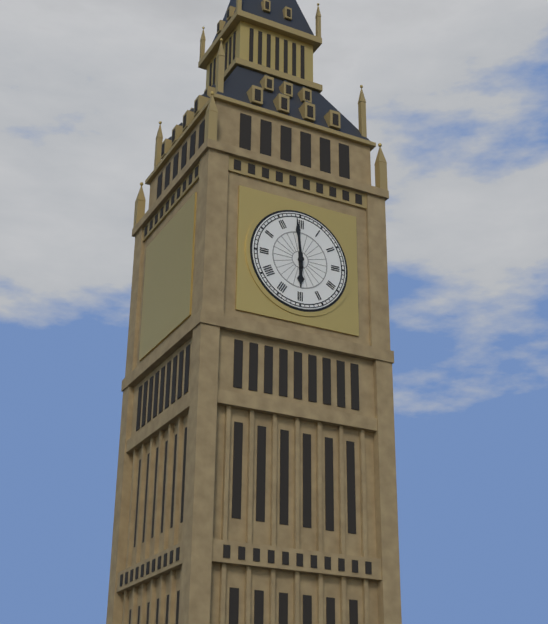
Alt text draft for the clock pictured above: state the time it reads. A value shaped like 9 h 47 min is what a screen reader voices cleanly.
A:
5 h 59 min
